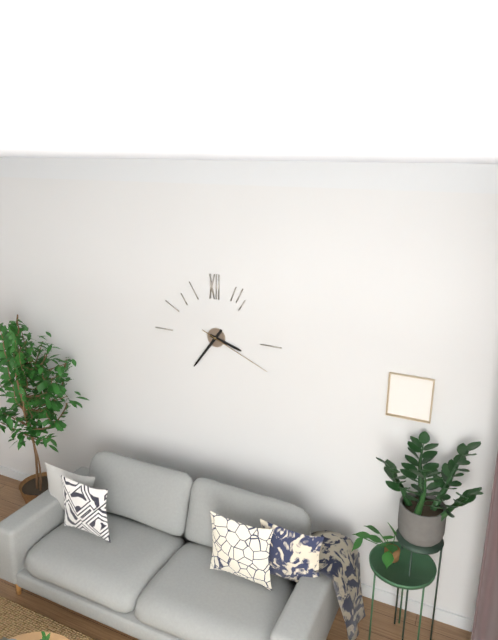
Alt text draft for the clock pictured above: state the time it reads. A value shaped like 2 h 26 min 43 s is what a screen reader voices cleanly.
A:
3 h 36 min 19 s
